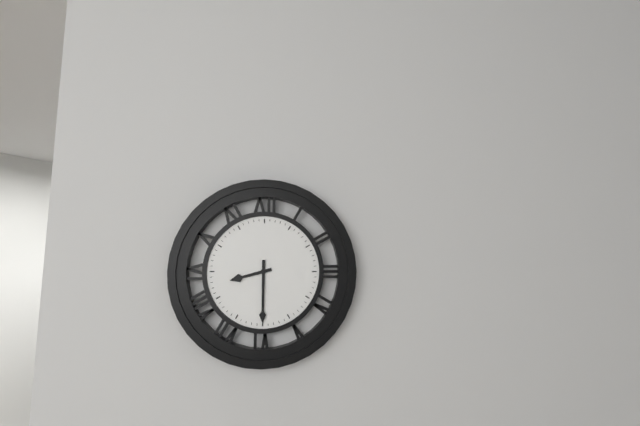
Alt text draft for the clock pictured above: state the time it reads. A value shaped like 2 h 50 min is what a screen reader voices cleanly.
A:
8 h 30 min
